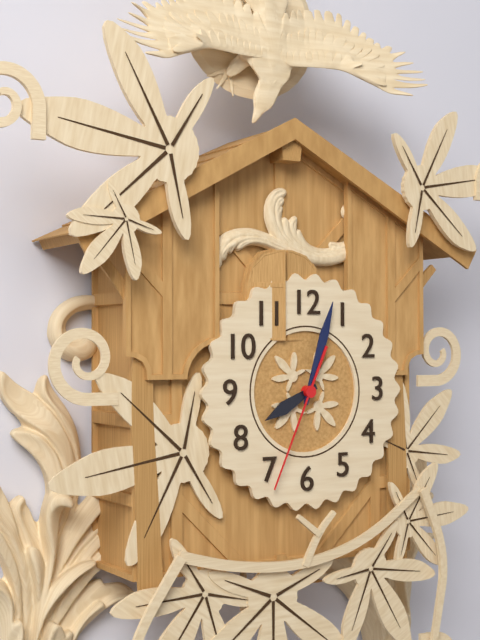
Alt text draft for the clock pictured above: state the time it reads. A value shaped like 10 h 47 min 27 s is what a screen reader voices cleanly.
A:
8 h 03 min 34 s
